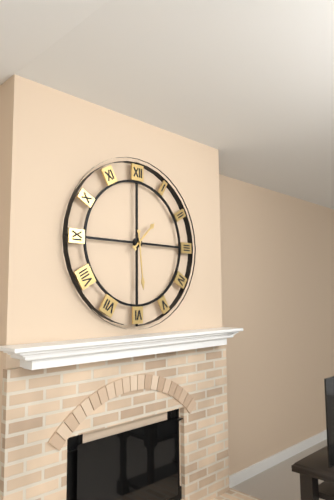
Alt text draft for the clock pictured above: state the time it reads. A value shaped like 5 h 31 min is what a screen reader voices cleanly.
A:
1 h 29 min
